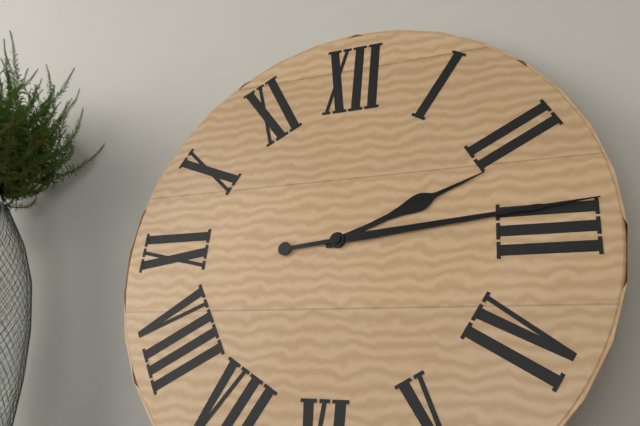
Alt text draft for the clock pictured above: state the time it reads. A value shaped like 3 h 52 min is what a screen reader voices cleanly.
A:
2 h 14 min
